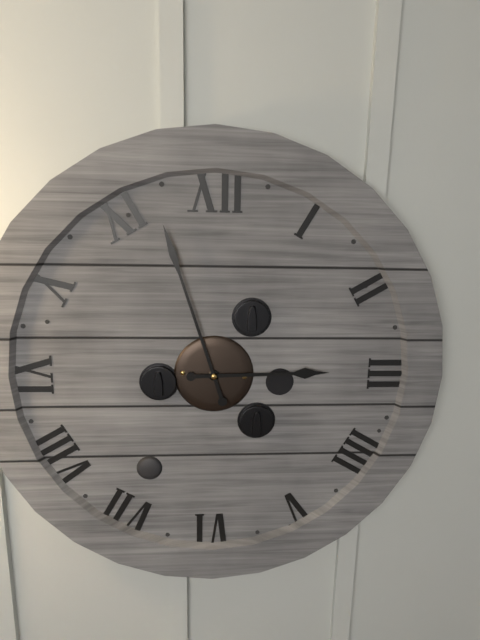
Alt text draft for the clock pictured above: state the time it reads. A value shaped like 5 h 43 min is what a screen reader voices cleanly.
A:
2 h 57 min
